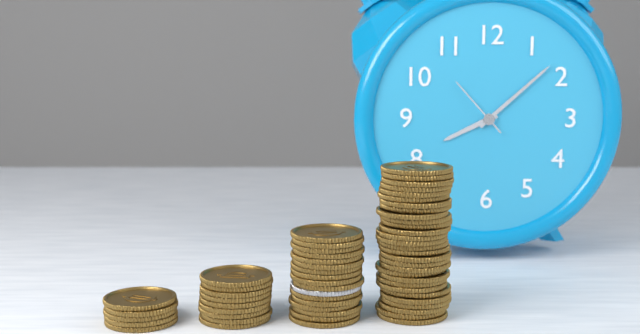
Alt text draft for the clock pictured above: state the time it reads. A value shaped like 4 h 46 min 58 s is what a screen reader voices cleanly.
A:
8 h 08 min 53 s
